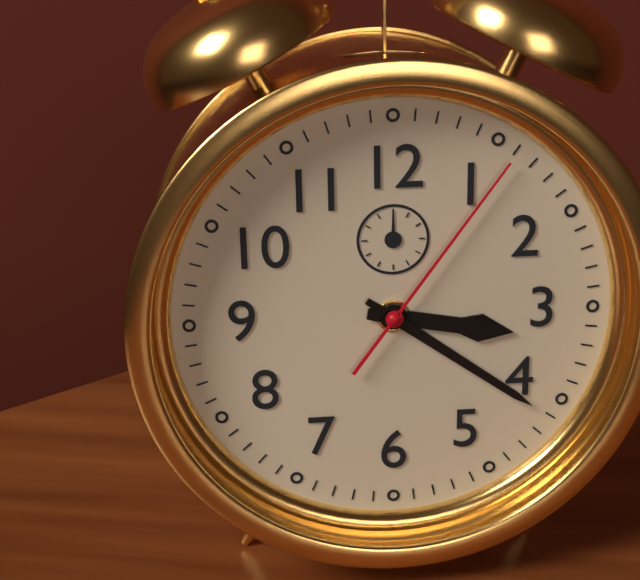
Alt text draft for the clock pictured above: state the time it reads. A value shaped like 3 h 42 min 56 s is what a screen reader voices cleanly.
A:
3 h 21 min 06 s
